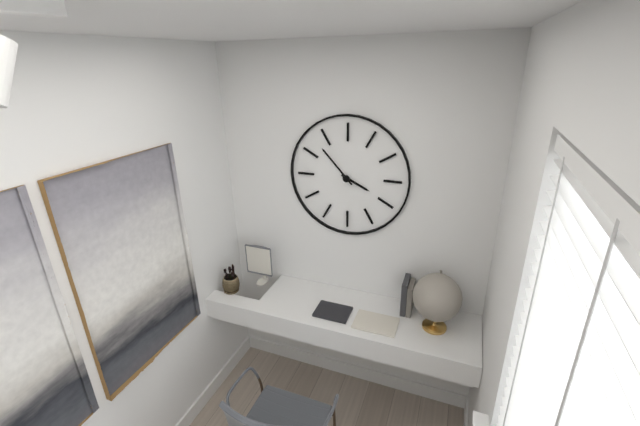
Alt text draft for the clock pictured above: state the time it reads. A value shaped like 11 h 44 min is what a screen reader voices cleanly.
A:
3 h 53 min
